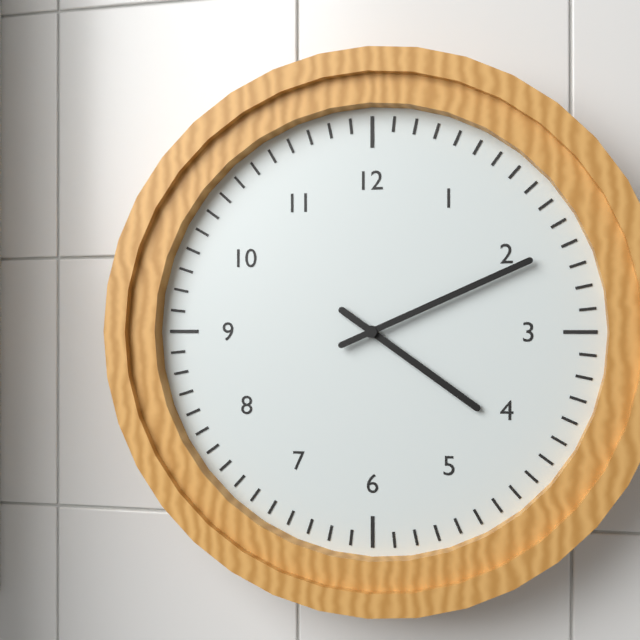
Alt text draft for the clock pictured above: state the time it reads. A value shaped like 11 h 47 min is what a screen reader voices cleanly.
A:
4 h 11 min
